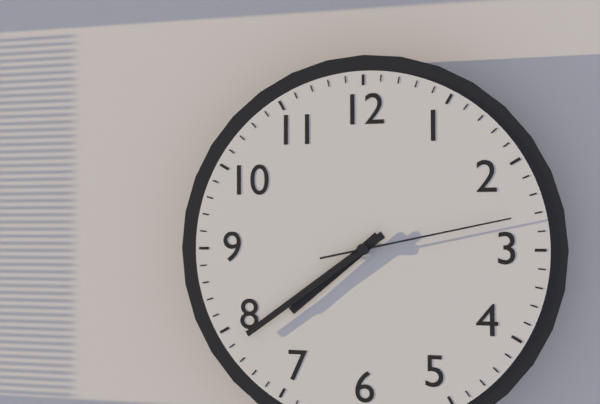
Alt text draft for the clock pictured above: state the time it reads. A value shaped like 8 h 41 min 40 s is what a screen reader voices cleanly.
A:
7 h 39 min 13 s
